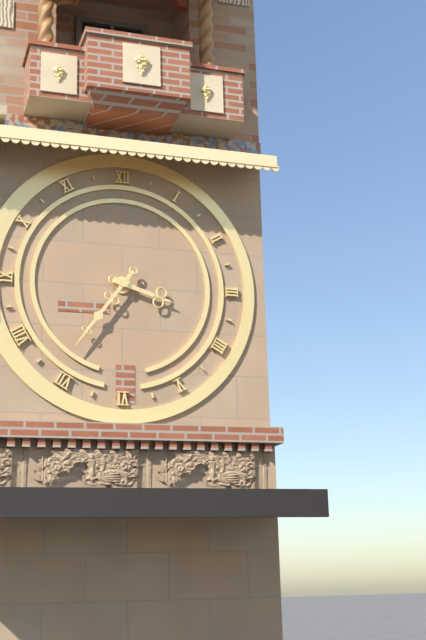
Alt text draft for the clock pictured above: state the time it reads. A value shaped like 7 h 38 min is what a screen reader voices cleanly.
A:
3 h 36 min
